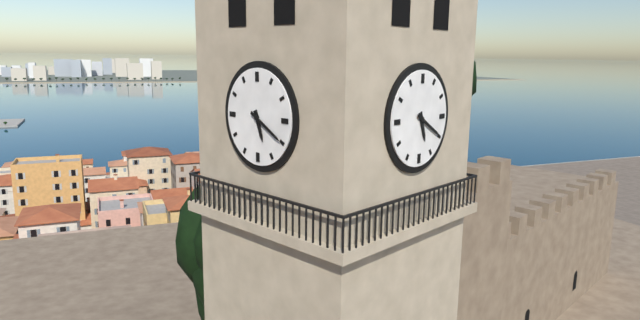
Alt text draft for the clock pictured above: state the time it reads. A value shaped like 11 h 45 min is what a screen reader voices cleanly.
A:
5 h 20 min
